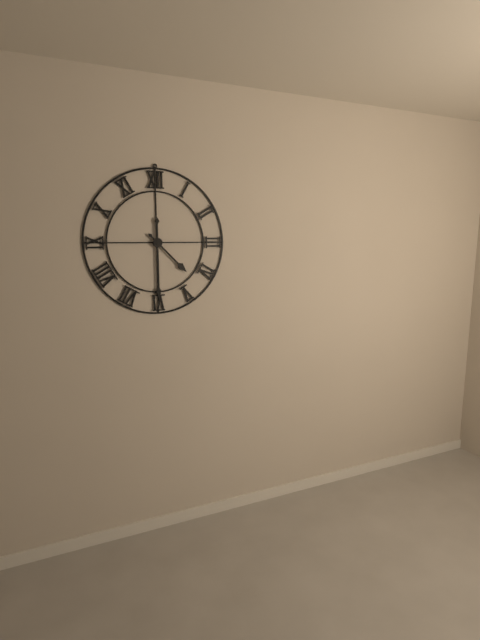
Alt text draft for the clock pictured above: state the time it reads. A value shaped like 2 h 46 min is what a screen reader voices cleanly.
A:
4 h 30 min
